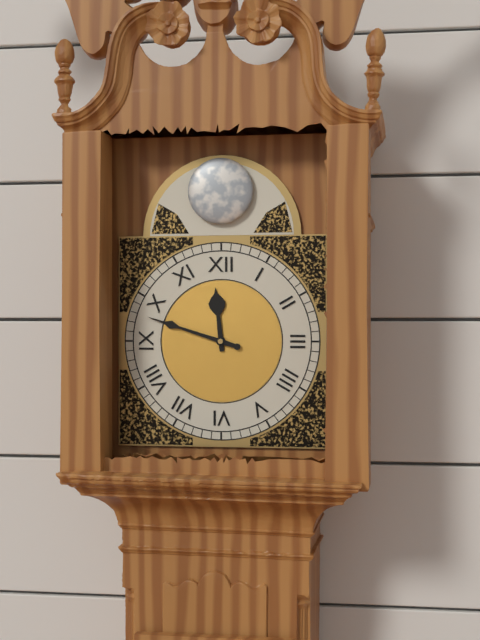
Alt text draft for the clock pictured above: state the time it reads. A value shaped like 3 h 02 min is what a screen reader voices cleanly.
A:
11 h 48 min
